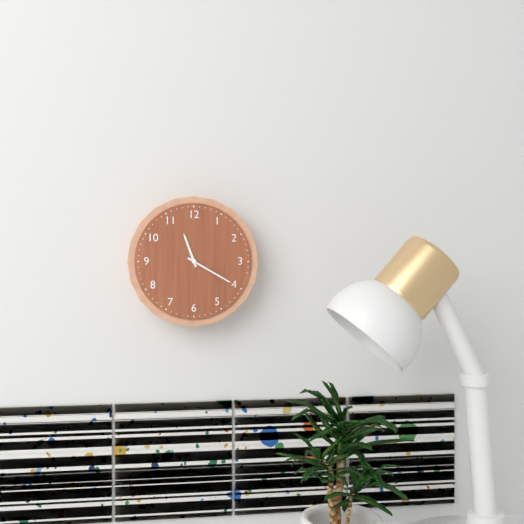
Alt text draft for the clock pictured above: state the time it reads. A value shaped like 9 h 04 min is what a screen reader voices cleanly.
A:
11 h 20 min
